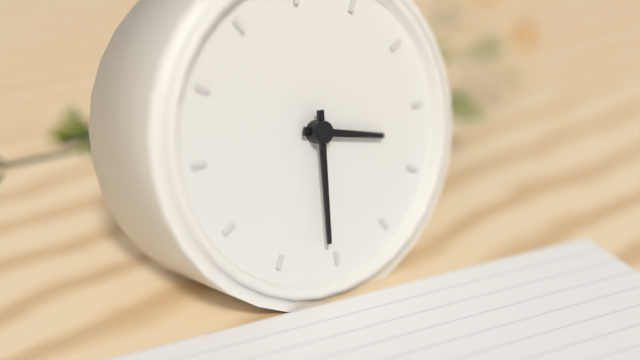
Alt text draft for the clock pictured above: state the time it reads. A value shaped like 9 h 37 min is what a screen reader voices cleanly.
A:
3 h 31 min
